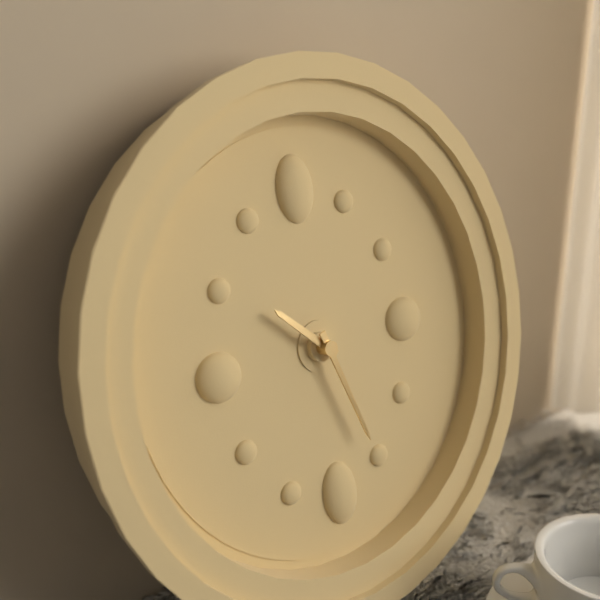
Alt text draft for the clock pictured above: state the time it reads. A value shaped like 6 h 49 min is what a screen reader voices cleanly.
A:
10 h 27 min
